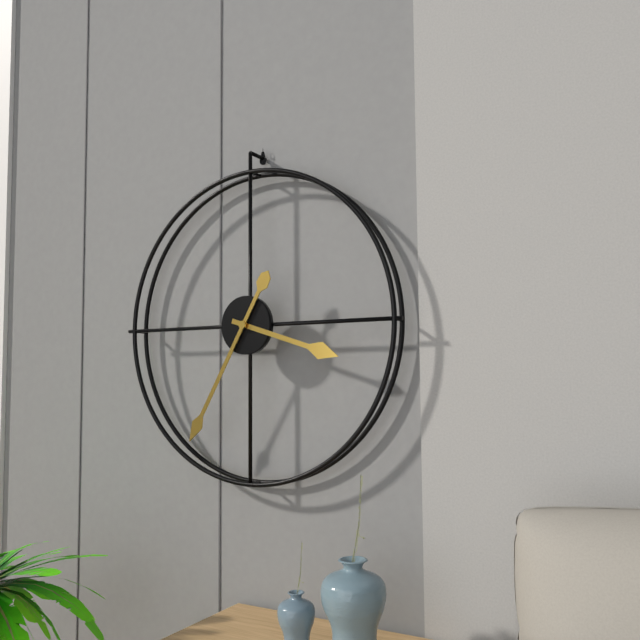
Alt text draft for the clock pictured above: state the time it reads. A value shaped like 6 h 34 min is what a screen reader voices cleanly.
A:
3 h 35 min
